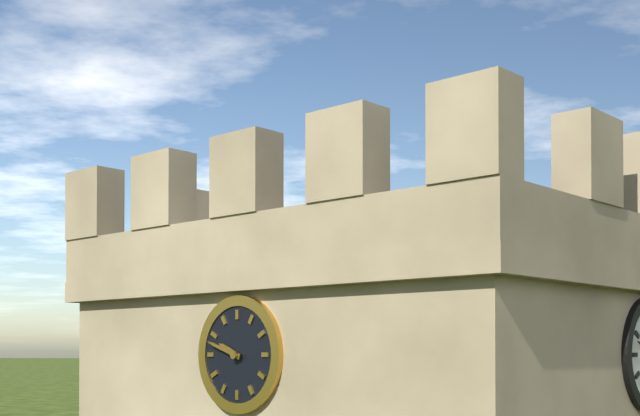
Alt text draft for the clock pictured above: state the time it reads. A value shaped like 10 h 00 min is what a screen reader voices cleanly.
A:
9 h 48 min
